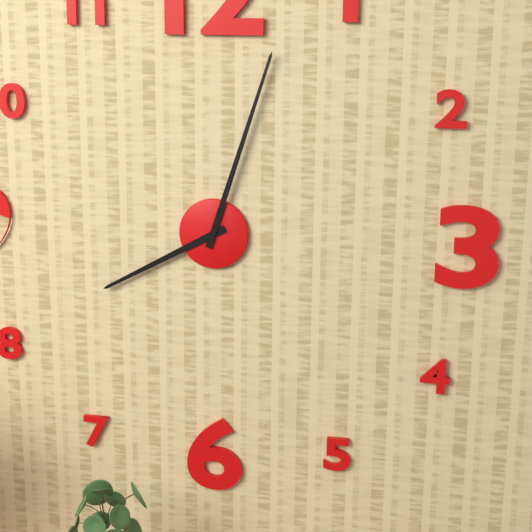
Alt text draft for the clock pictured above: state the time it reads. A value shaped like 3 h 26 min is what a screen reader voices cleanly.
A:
8 h 03 min
